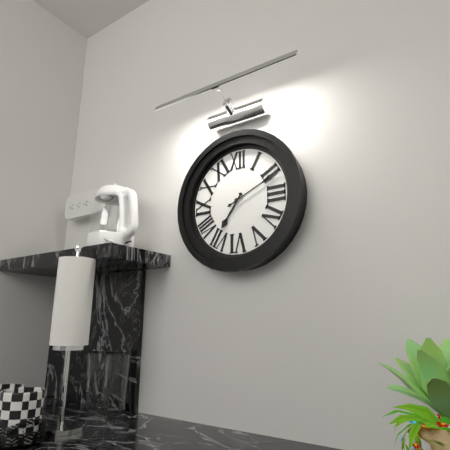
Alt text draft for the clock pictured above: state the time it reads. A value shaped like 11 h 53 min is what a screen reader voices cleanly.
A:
7 h 11 min
